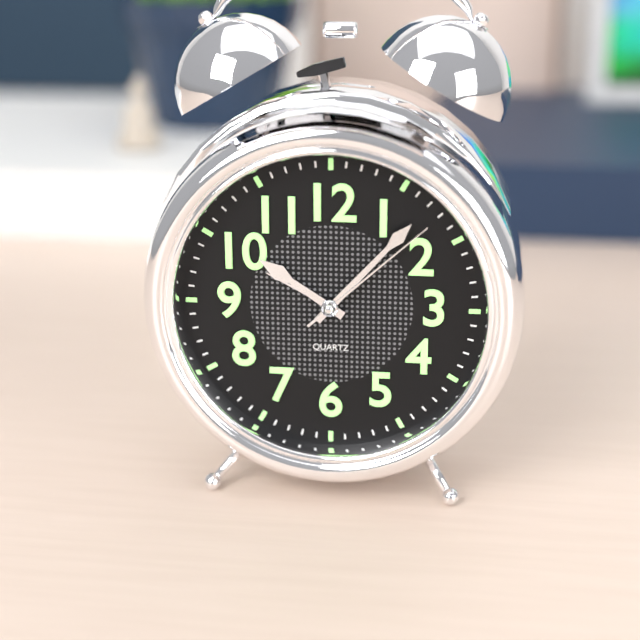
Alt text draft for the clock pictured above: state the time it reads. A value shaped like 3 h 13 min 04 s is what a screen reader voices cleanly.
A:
10 h 07 min 08 s
